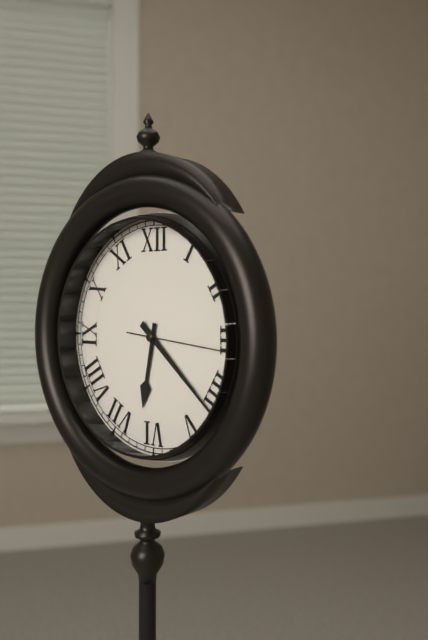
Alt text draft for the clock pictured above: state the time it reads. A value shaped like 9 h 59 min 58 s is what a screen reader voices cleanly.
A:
6 h 22 min 16 s
